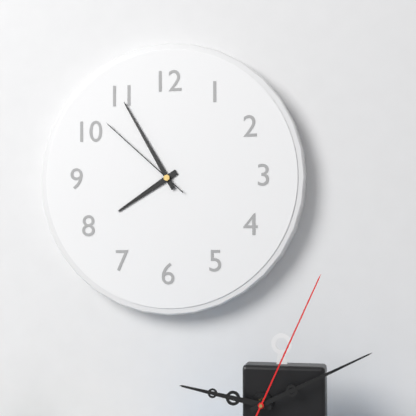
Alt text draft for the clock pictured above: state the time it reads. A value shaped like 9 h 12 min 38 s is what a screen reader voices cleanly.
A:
7 h 55 min 52 s
